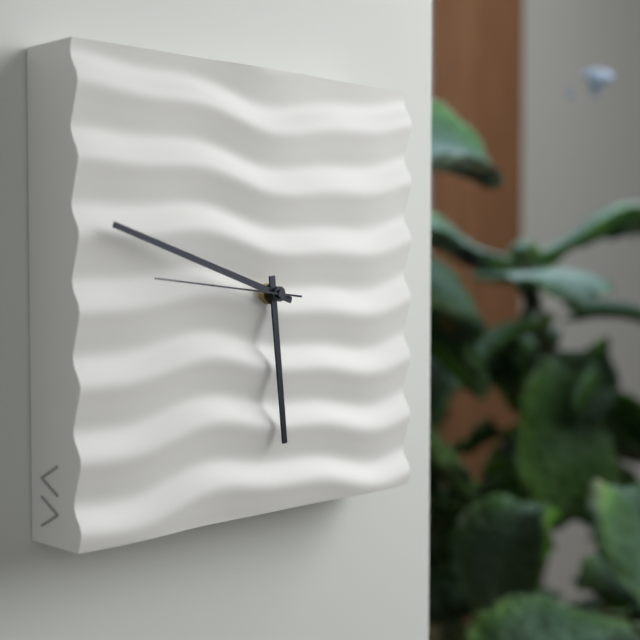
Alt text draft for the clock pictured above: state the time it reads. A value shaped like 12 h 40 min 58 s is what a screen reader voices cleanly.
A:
5 h 48 min 46 s
